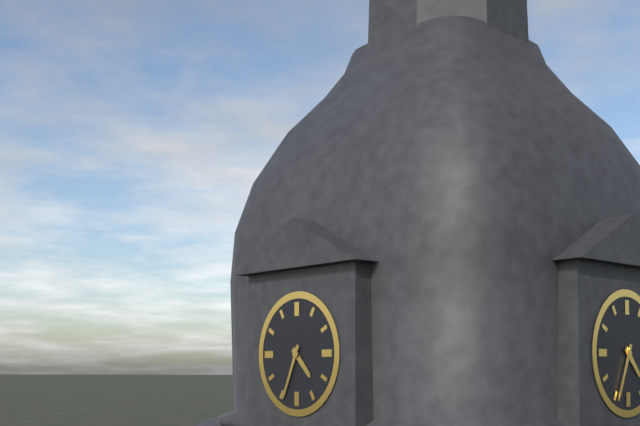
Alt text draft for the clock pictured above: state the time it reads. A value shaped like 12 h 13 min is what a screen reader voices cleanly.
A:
4 h 34 min
